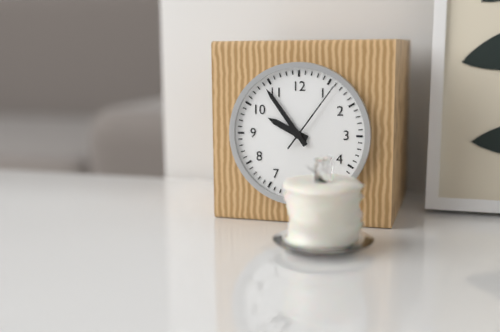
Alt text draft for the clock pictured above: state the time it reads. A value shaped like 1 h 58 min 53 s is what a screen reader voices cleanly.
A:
9 h 54 min 06 s
